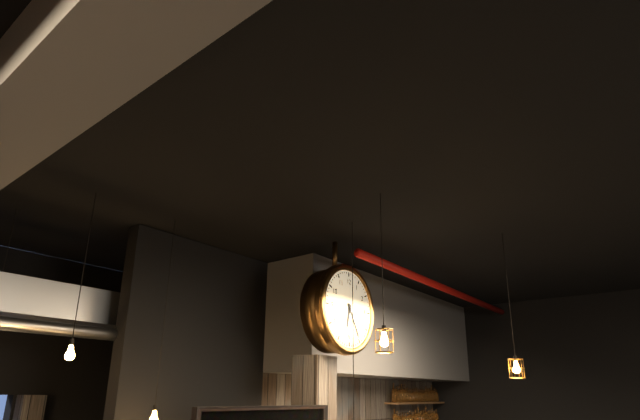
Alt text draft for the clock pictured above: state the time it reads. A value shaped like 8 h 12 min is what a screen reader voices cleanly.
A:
6 h 25 min
